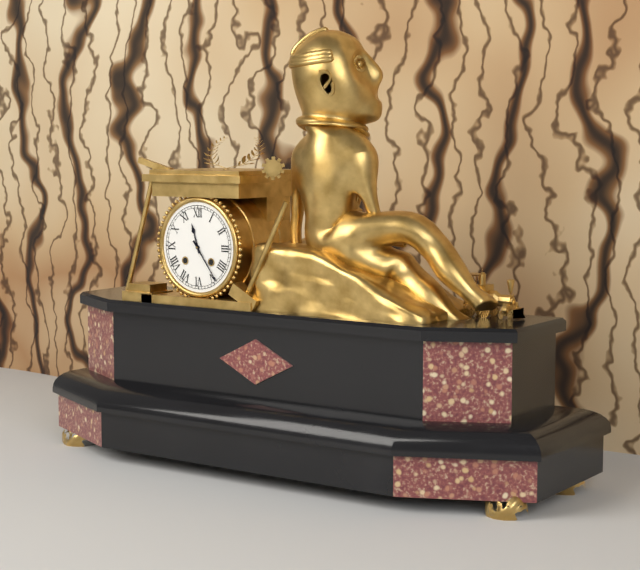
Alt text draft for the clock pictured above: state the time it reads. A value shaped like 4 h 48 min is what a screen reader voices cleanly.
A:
11 h 24 min
